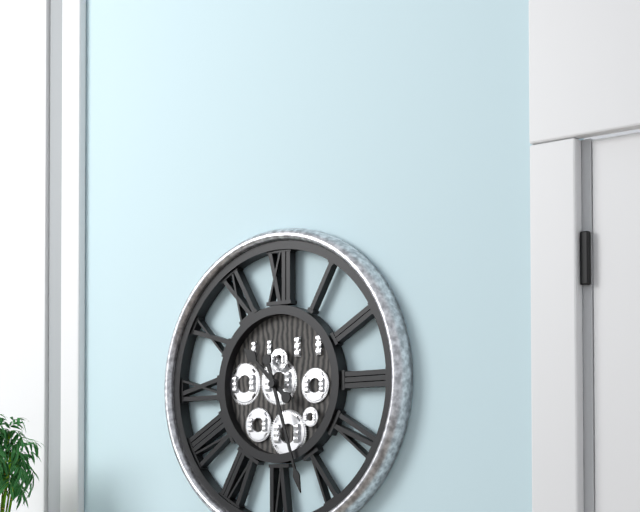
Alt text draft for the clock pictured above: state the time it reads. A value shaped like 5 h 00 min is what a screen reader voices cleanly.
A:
10 h 27 min
